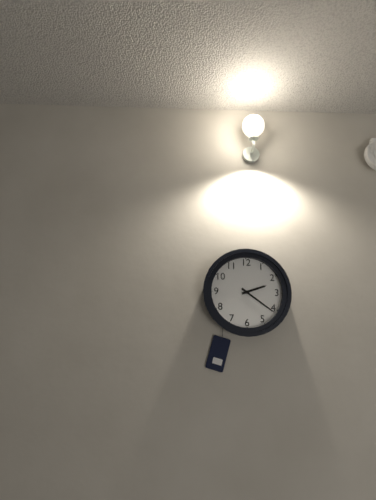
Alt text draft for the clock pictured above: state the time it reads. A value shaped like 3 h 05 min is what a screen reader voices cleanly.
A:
2 h 21 min
